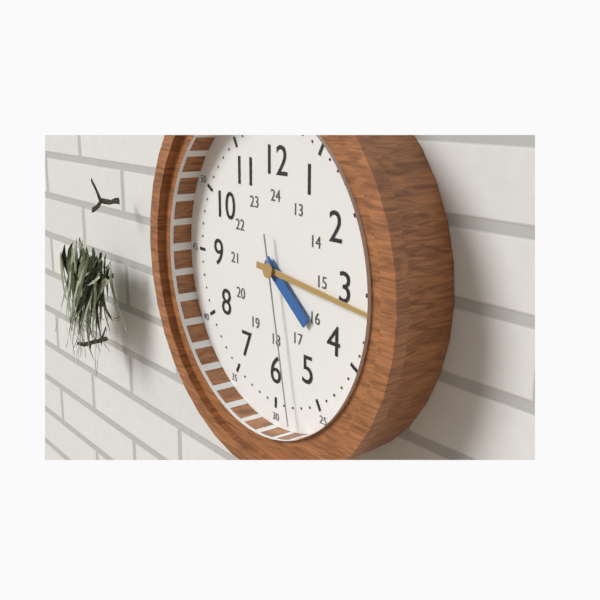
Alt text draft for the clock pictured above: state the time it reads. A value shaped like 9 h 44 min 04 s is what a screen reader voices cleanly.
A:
4 h 16 min 28 s
